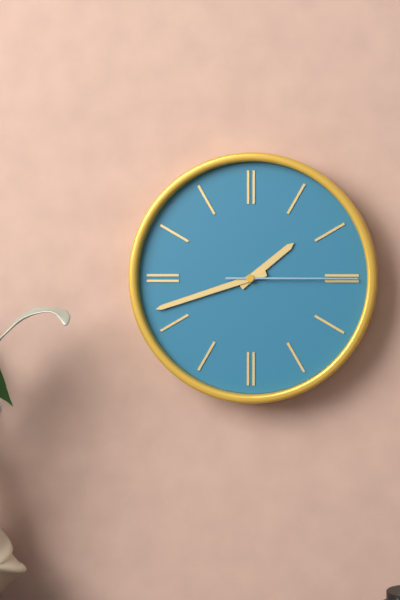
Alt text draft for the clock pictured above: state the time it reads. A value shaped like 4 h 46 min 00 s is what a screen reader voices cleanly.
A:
1 h 42 min 15 s
